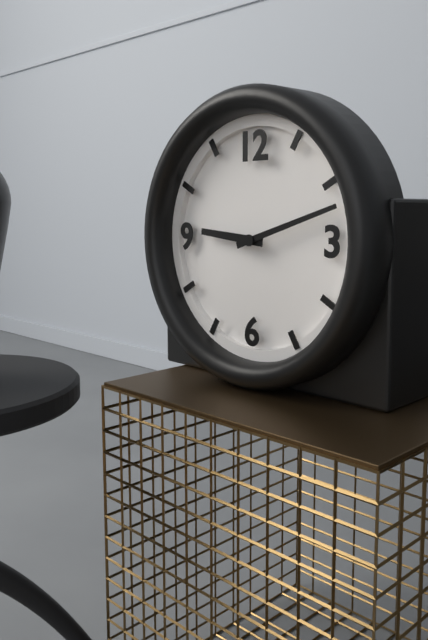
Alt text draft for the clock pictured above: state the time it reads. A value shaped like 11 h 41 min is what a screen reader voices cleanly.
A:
9 h 12 min
